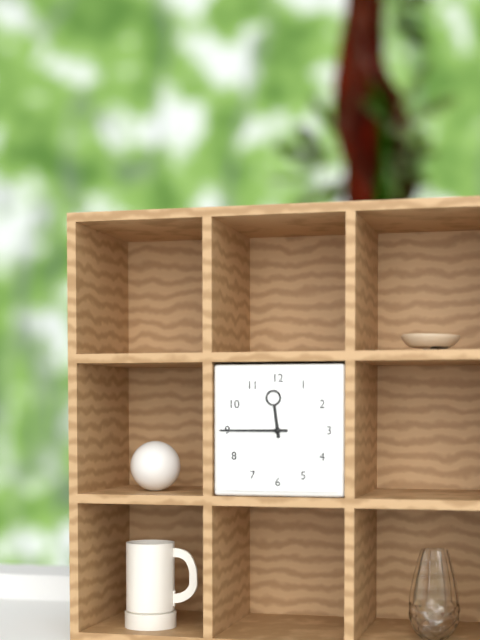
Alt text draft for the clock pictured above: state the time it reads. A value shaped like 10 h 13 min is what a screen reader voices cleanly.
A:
11 h 45 min
